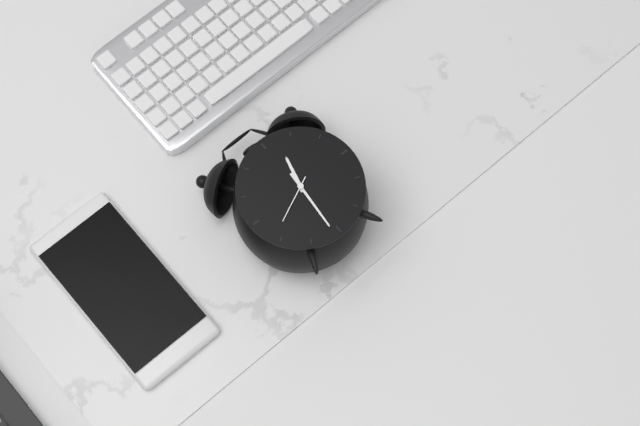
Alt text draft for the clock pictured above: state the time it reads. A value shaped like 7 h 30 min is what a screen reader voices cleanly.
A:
12 h 31 min
